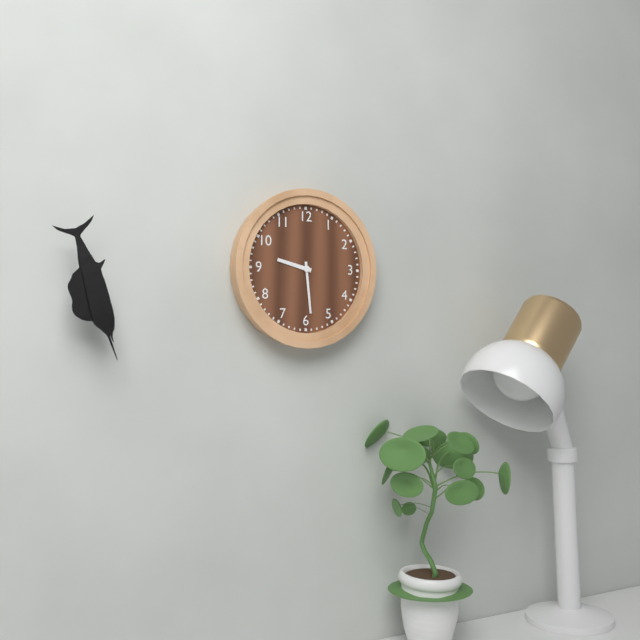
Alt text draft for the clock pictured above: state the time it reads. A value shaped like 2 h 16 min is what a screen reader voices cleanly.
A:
9 h 29 min
